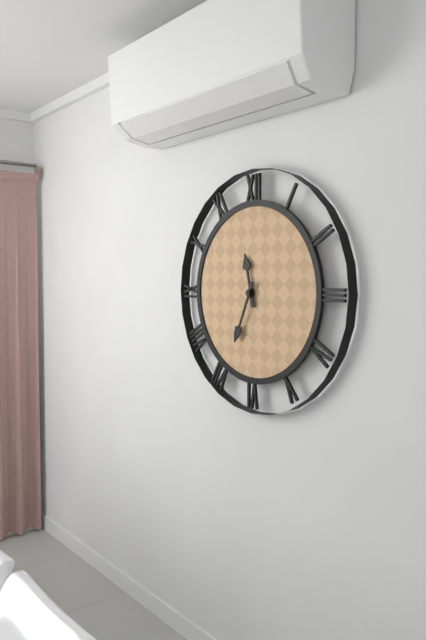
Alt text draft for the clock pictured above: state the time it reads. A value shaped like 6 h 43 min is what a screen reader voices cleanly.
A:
11 h 34 min
